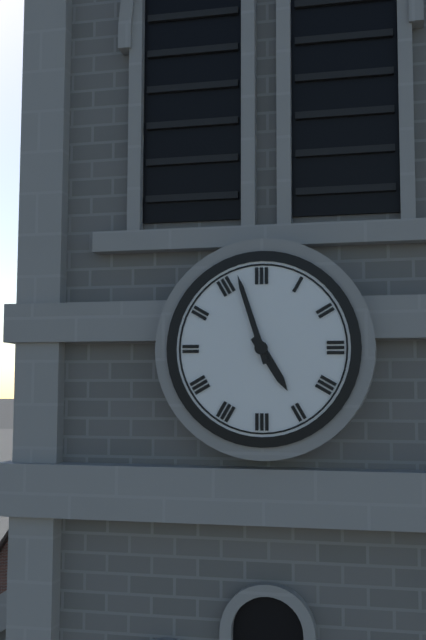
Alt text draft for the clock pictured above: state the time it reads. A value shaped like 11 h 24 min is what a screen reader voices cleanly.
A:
4 h 57 min
